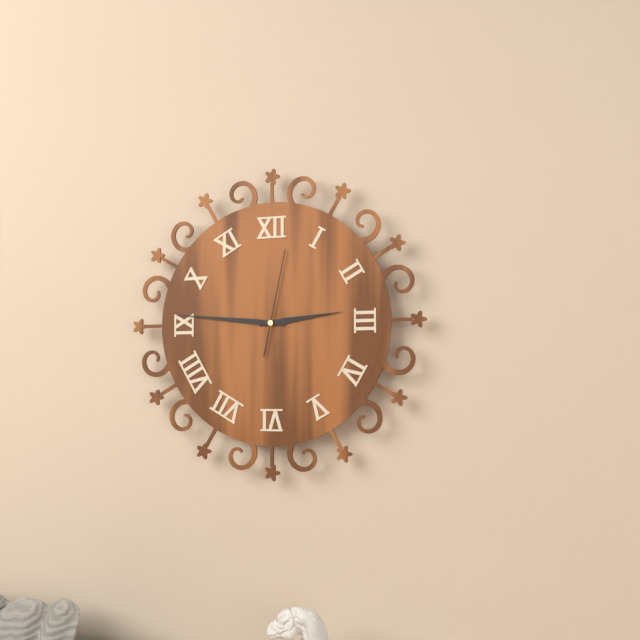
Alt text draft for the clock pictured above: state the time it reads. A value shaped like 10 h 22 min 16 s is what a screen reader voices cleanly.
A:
2 h 46 min 02 s
